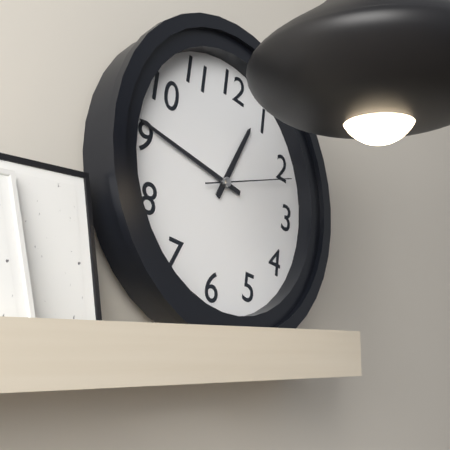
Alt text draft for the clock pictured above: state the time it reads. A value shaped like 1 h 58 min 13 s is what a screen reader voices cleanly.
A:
12 h 46 min 11 s
